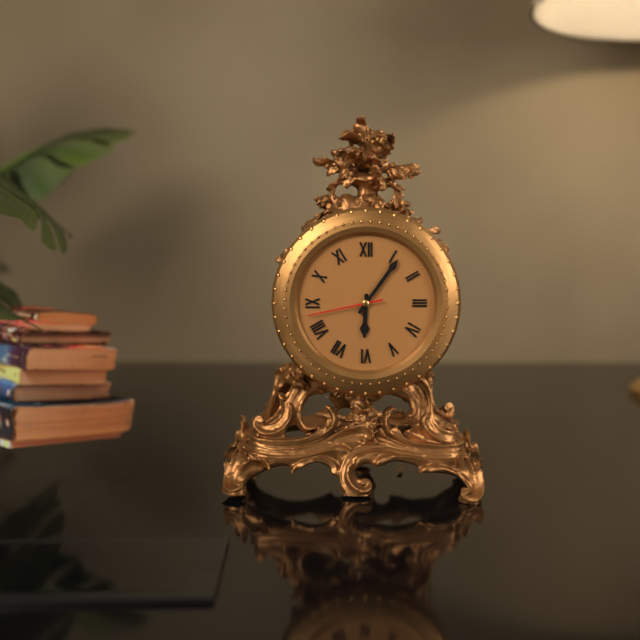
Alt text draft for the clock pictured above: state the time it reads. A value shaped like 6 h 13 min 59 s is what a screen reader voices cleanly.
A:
6 h 06 min 43 s
